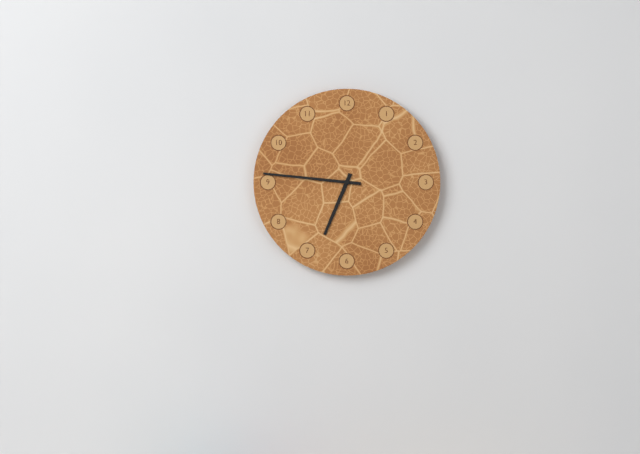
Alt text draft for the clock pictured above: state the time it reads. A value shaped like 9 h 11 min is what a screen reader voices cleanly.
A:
6 h 46 min
